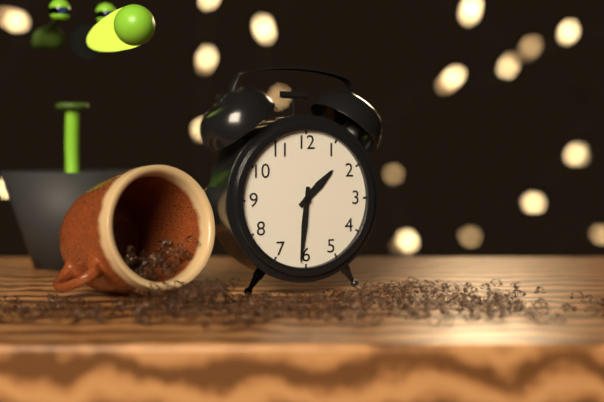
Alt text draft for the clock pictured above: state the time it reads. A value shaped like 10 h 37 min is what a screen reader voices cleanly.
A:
1 h 31 min
